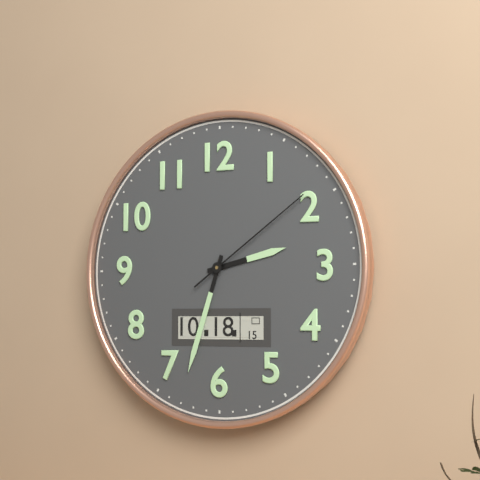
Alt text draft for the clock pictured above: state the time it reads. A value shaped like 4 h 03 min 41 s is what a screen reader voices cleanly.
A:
2 h 33 min 09 s
